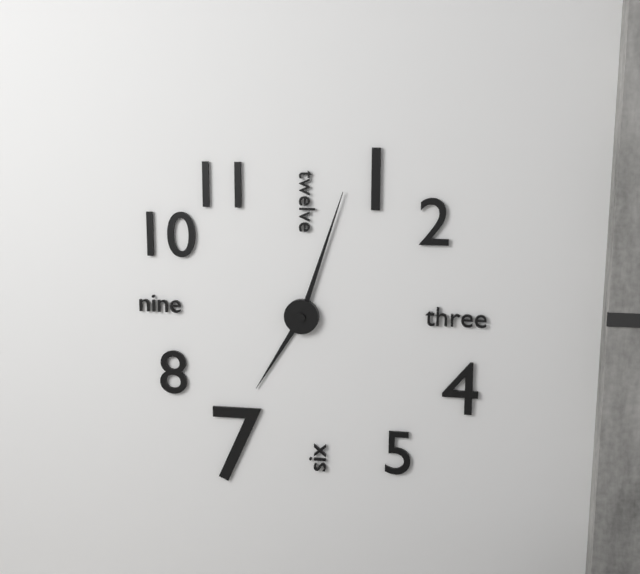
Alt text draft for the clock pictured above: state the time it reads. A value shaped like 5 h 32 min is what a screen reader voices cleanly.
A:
7 h 03 min
